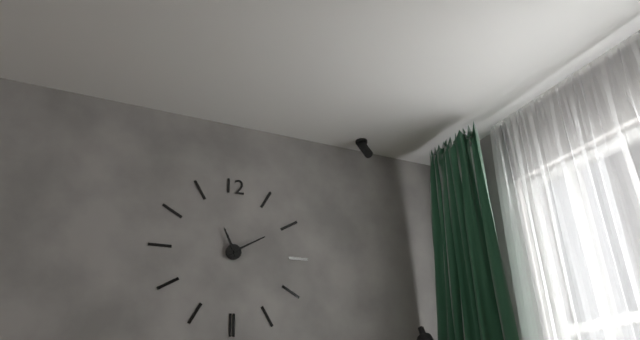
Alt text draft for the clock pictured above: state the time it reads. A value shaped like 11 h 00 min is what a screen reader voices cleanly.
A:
11 h 10 min
